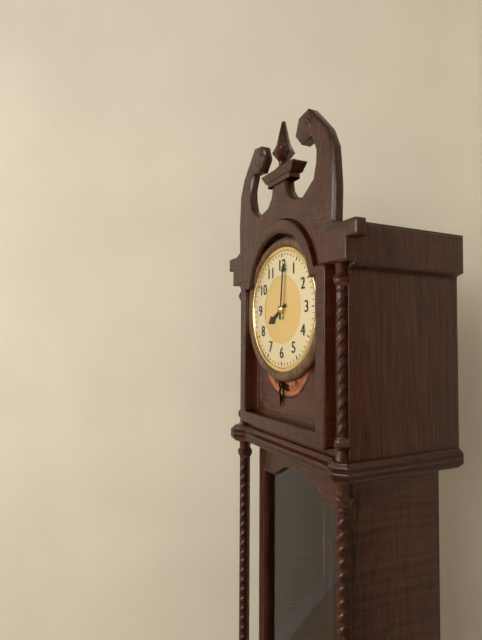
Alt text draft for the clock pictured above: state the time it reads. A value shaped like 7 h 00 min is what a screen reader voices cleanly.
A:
8 h 01 min
